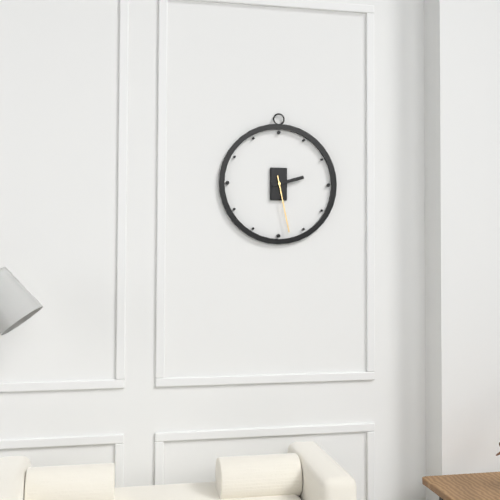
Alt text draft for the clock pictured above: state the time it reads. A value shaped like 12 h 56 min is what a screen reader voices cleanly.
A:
2 h 28 min
